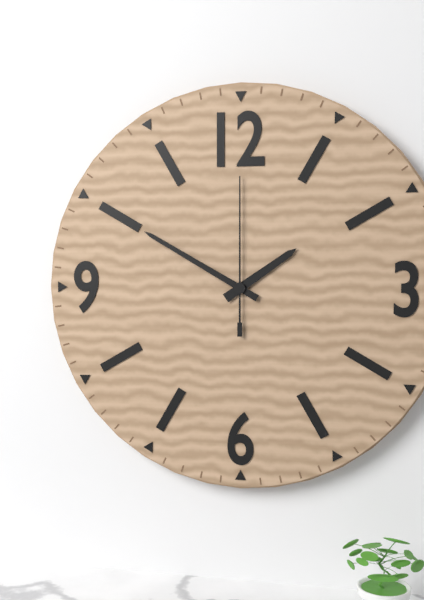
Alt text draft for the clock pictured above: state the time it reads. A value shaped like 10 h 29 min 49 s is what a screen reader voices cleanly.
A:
1 h 50 min 00 s
